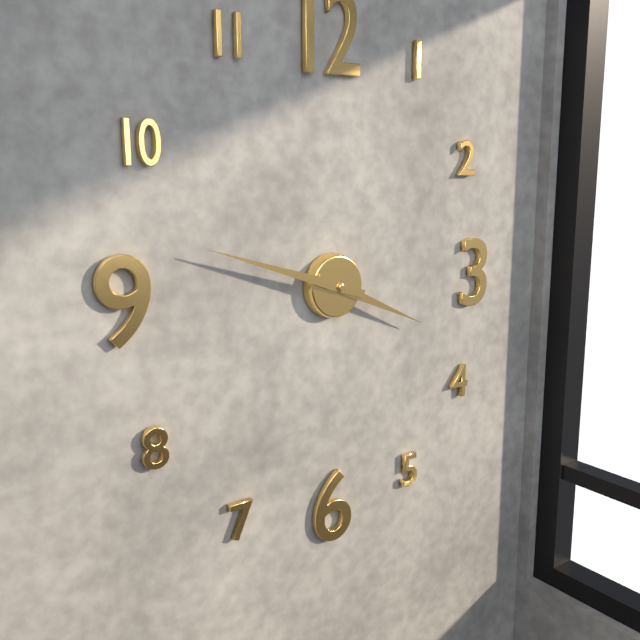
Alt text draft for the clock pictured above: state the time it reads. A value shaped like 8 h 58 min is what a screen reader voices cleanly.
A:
3 h 48 min
